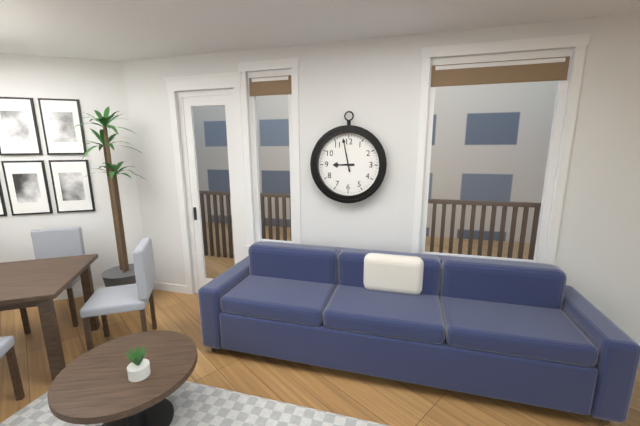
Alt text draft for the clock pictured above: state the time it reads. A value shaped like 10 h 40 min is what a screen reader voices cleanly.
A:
8 h 58 min
